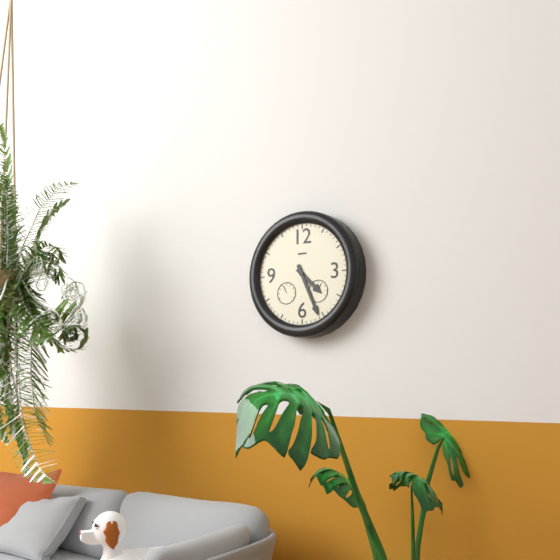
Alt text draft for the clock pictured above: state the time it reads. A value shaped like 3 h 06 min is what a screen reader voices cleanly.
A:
4 h 26 min
